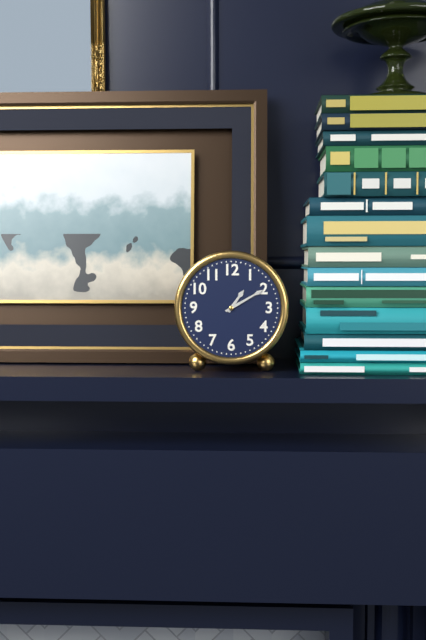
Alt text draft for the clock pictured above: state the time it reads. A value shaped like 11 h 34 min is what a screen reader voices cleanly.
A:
1 h 10 min
